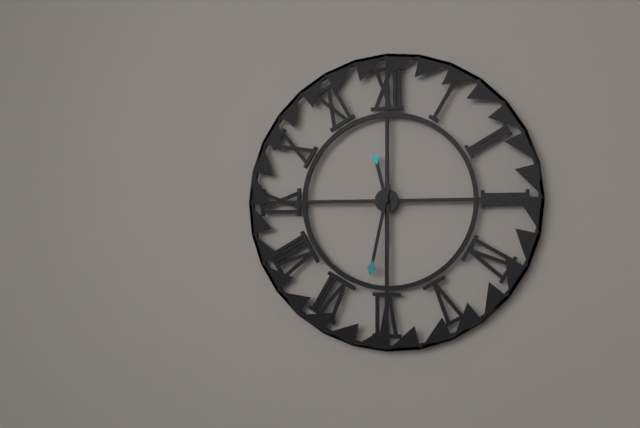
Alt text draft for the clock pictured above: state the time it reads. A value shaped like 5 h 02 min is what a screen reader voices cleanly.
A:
11 h 32 min
